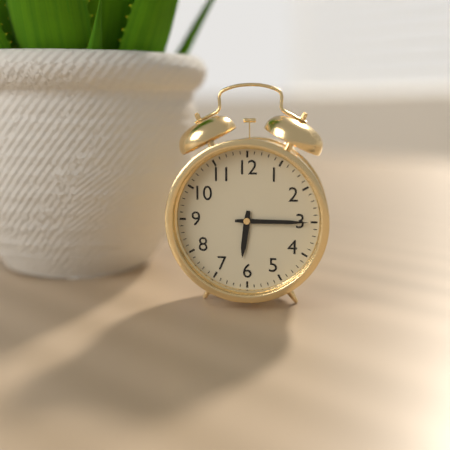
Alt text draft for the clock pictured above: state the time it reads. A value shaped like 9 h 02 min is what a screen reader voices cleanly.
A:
6 h 15 min
